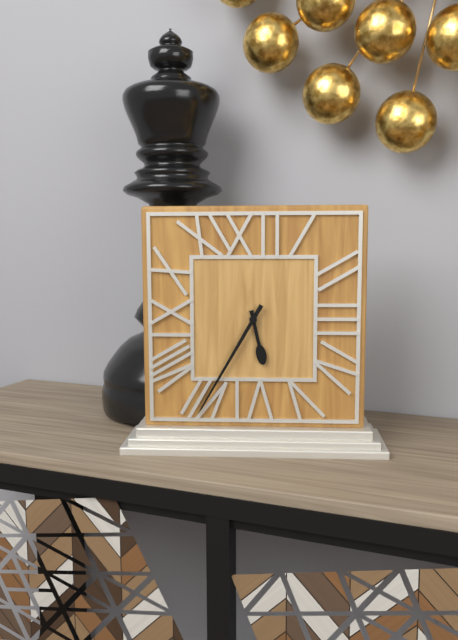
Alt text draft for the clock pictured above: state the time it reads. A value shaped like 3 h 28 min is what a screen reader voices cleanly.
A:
5 h 35 min
